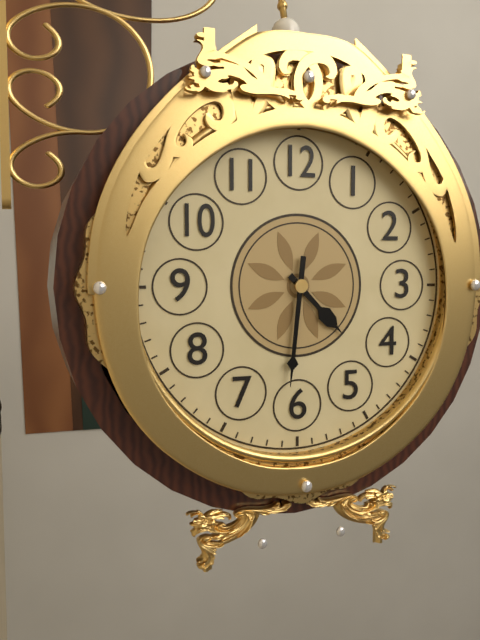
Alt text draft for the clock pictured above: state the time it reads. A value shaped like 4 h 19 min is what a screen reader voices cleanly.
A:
4 h 31 min
